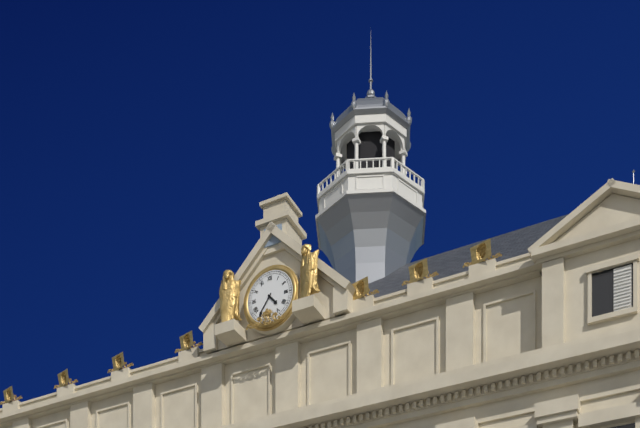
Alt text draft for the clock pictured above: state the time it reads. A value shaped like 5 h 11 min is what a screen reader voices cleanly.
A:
4 h 36 min
